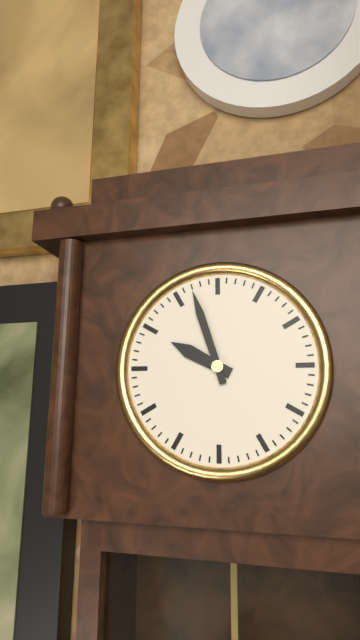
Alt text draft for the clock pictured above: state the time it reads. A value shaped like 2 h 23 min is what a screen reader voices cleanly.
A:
9 h 57 min
